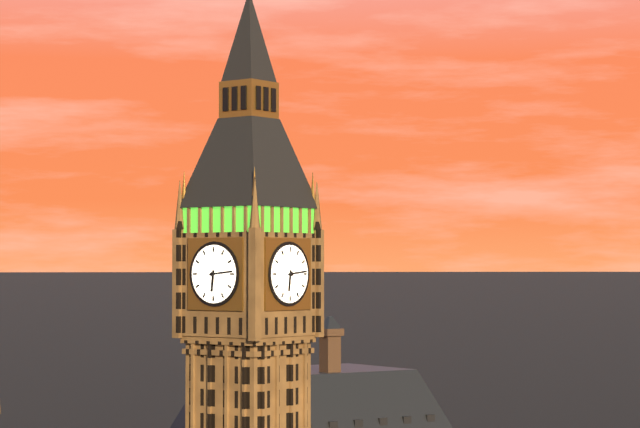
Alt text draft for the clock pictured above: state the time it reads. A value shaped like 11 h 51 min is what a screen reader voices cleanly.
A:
6 h 14 min
